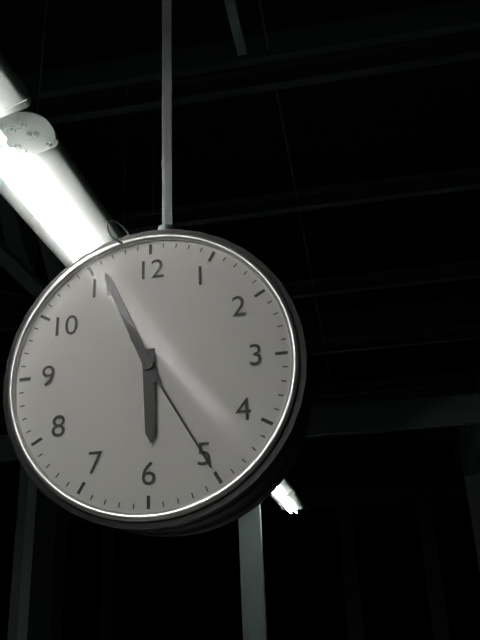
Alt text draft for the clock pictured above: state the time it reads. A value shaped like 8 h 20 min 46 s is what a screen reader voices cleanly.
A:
5 h 56 min 25 s
